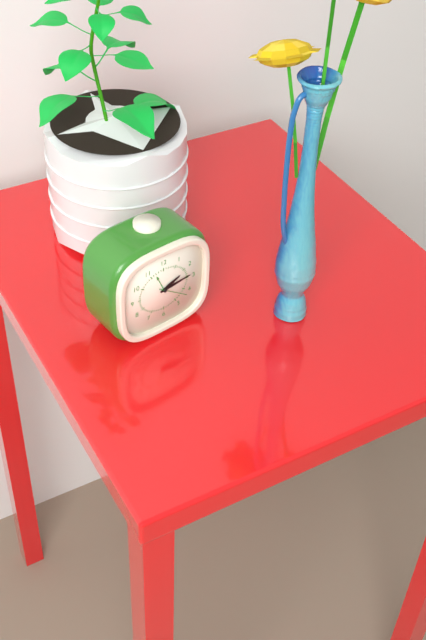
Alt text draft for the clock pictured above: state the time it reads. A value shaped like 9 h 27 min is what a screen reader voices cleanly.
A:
2 h 14 min
